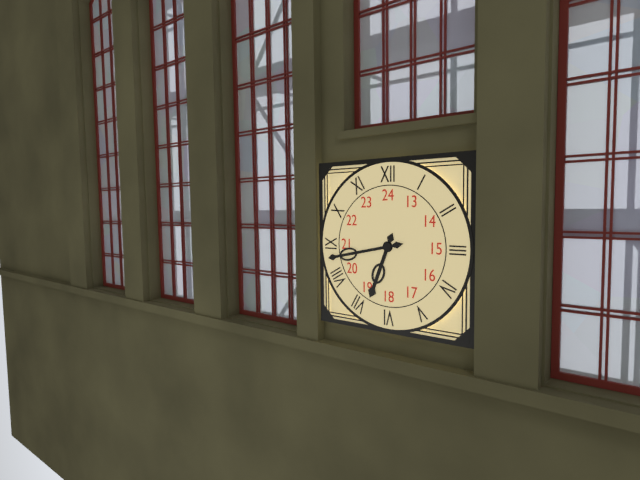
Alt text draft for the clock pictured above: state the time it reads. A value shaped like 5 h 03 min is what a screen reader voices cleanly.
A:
6 h 43 min
